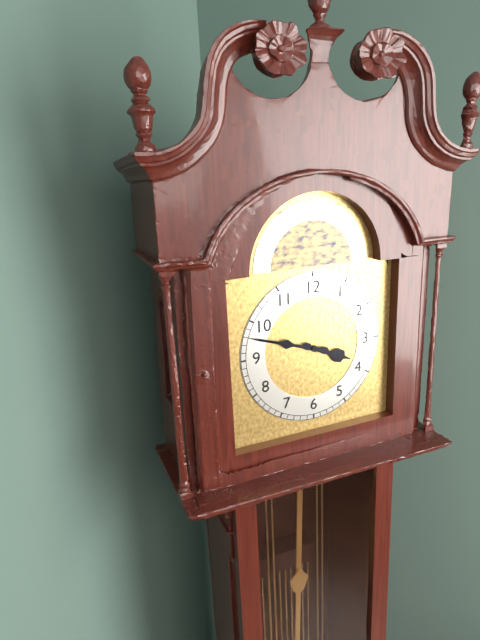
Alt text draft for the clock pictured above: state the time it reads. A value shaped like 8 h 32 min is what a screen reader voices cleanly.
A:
3 h 48 min
